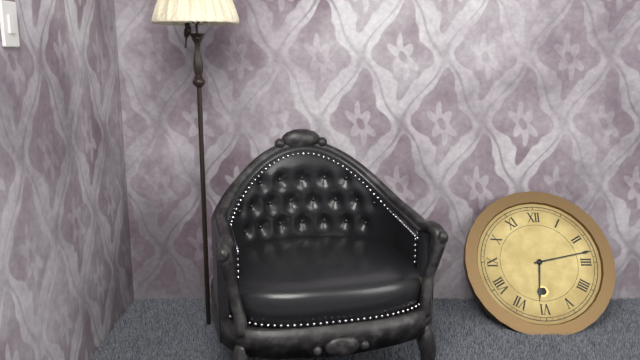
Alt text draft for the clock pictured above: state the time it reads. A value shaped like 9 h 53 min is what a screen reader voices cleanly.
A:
6 h 13 min
